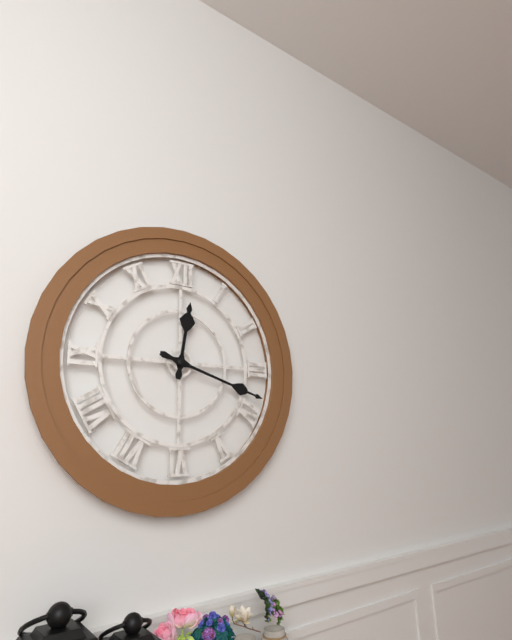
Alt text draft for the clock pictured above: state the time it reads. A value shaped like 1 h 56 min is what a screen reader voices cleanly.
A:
12 h 18 min
